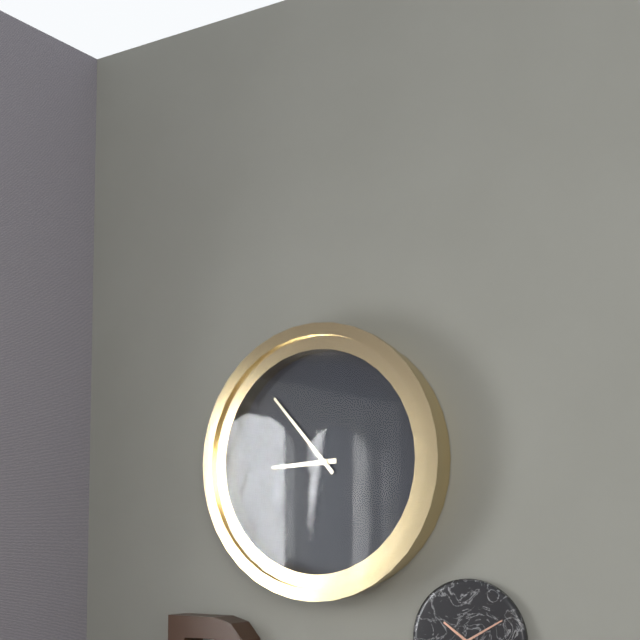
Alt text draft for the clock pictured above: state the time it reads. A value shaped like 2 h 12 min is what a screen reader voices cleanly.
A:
8 h 53 min
